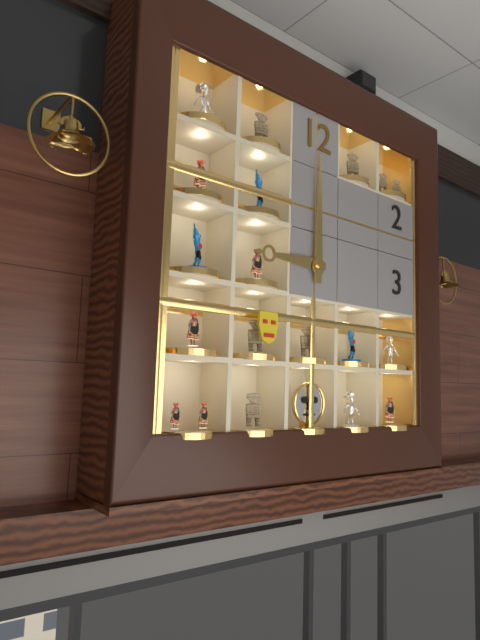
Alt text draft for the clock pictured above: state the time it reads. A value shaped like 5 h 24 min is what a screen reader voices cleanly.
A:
9 h 00 min
